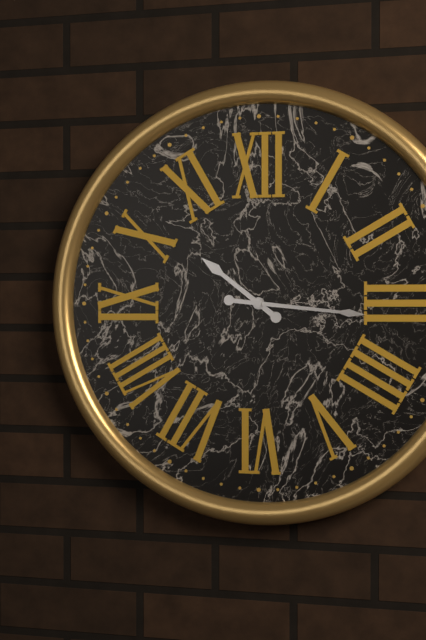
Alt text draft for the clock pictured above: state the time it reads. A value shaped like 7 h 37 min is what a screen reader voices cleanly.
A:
10 h 16 min
